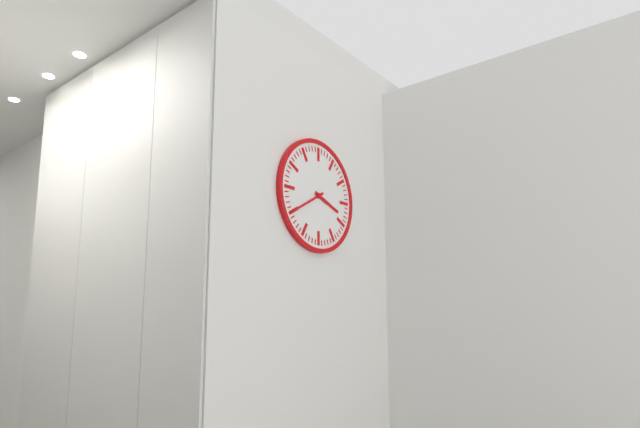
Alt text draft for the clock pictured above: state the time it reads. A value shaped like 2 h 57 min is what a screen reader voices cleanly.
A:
3 h 40 min
